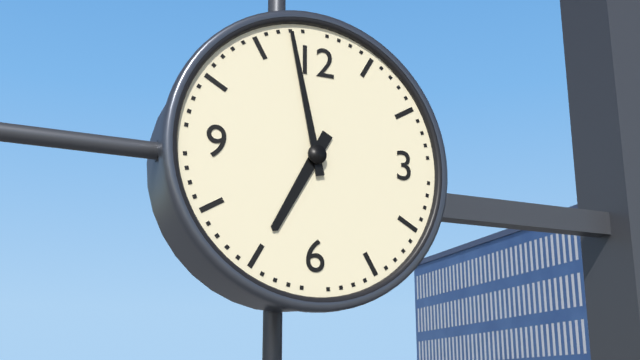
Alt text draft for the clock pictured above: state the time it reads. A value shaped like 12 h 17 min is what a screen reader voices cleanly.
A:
6 h 58 min
